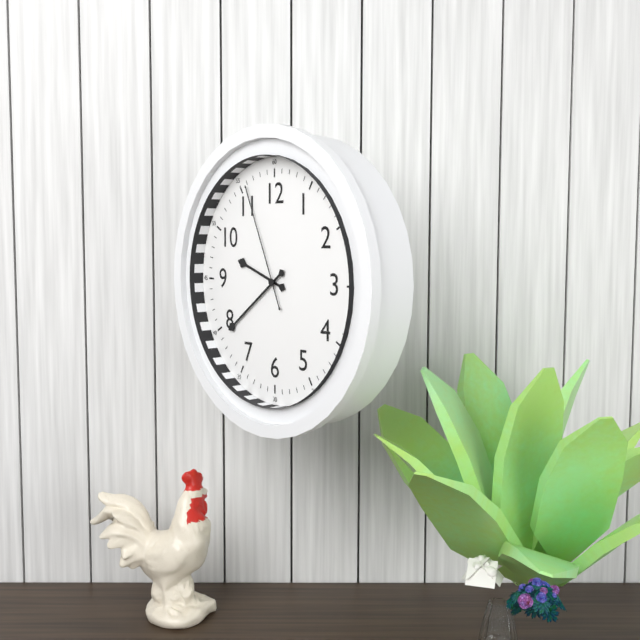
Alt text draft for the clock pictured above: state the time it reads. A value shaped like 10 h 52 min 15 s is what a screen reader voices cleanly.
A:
9 h 39 min 56 s
